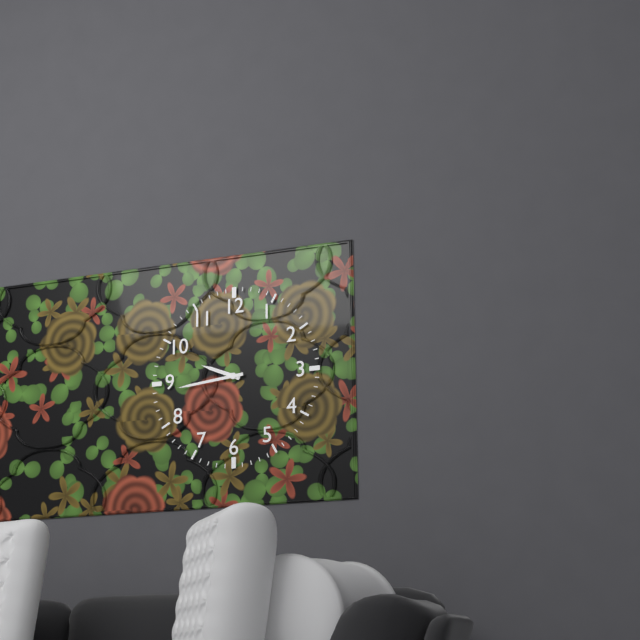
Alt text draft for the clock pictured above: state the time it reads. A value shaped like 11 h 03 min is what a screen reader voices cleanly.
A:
9 h 44 min
